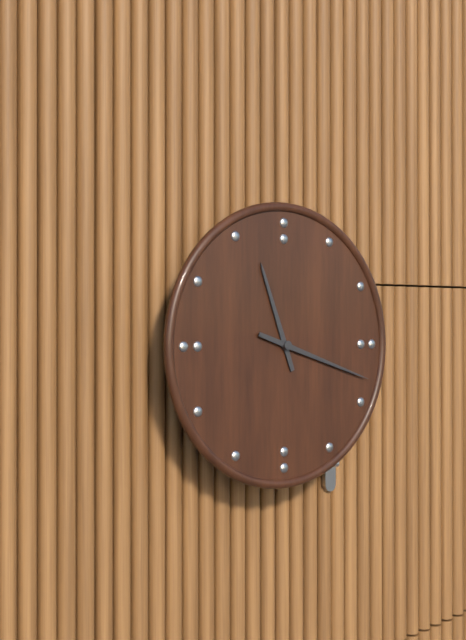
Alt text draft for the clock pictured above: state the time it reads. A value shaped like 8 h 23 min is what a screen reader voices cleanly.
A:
11 h 18 min
